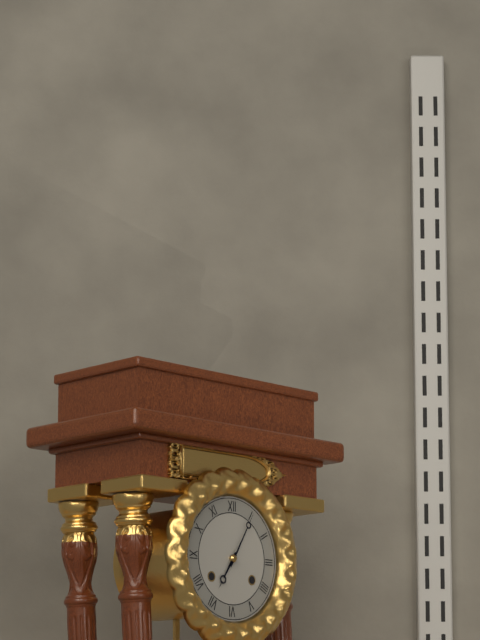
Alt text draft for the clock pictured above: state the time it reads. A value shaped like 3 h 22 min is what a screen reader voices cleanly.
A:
7 h 05 min
